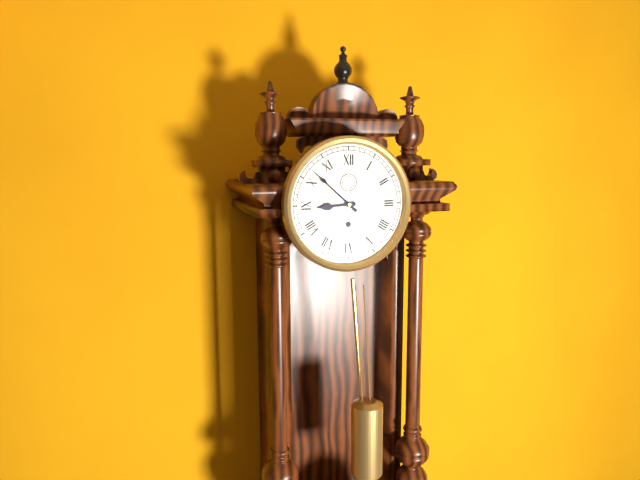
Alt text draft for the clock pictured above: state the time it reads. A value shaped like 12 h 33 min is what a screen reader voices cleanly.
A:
8 h 52 min
